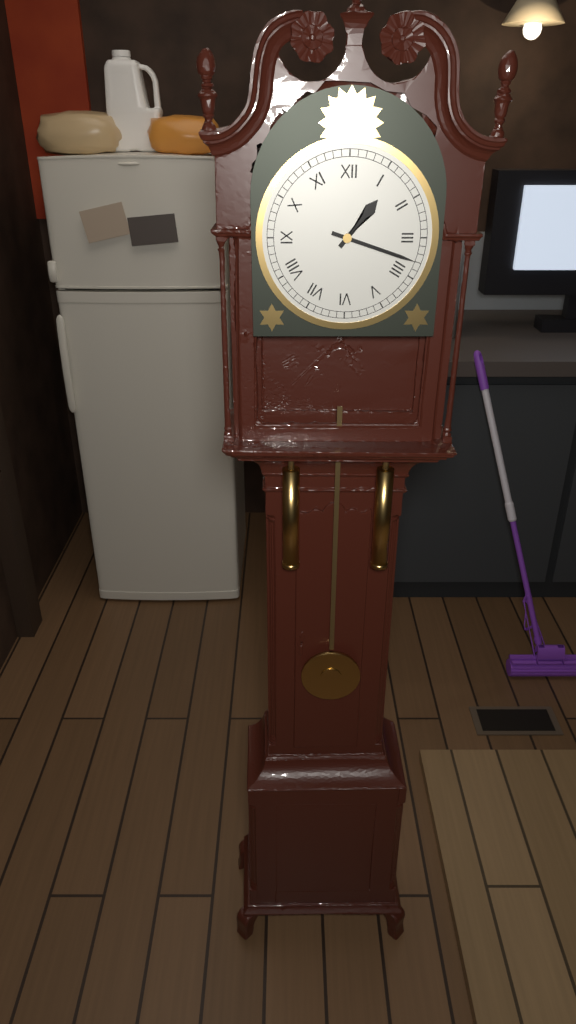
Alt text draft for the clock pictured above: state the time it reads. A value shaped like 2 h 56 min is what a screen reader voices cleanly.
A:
1 h 18 min
